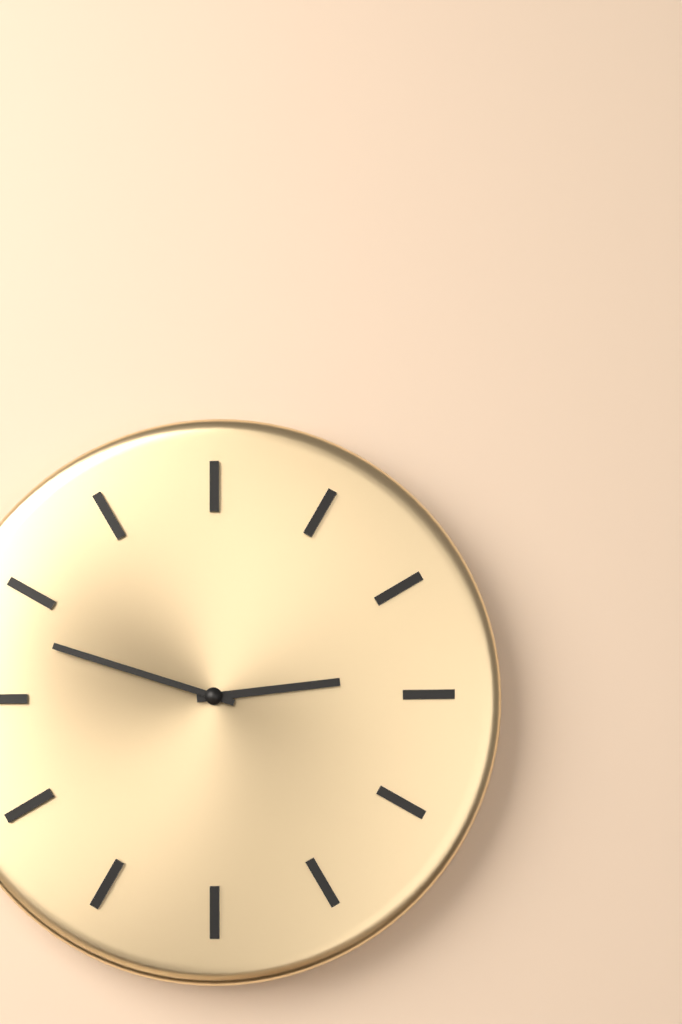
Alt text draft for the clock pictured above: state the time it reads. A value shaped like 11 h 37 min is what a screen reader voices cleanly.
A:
2 h 48 min
